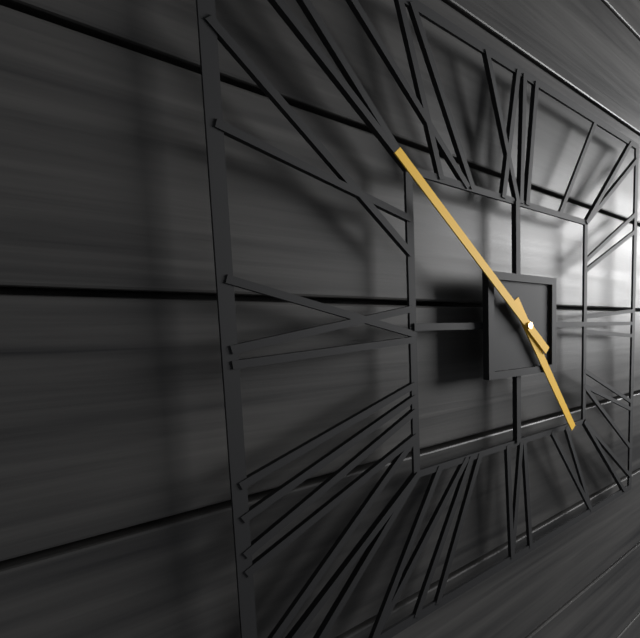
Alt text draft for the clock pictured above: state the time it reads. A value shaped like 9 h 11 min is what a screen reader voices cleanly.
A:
4 h 52 min
